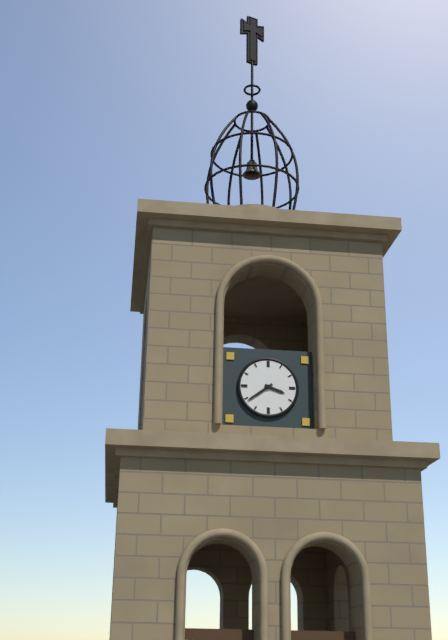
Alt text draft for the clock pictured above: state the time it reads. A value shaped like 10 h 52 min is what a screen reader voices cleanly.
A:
3 h 39 min
